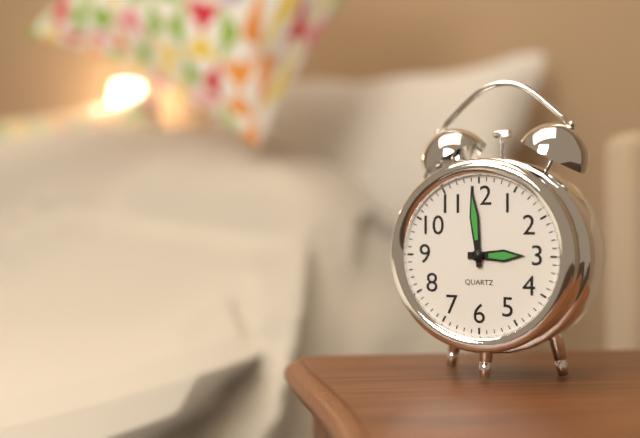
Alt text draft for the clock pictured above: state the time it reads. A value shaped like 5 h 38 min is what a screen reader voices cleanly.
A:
2 h 59 min
